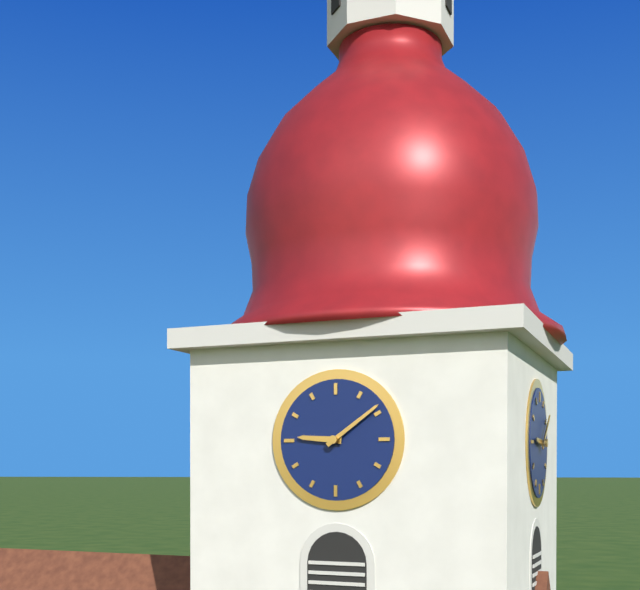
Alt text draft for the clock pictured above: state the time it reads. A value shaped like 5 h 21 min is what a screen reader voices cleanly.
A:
9 h 09 min
